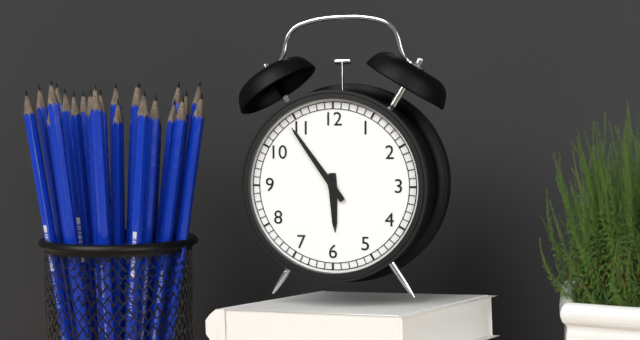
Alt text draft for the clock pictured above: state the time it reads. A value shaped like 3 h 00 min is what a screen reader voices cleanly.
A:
5 h 54 min
